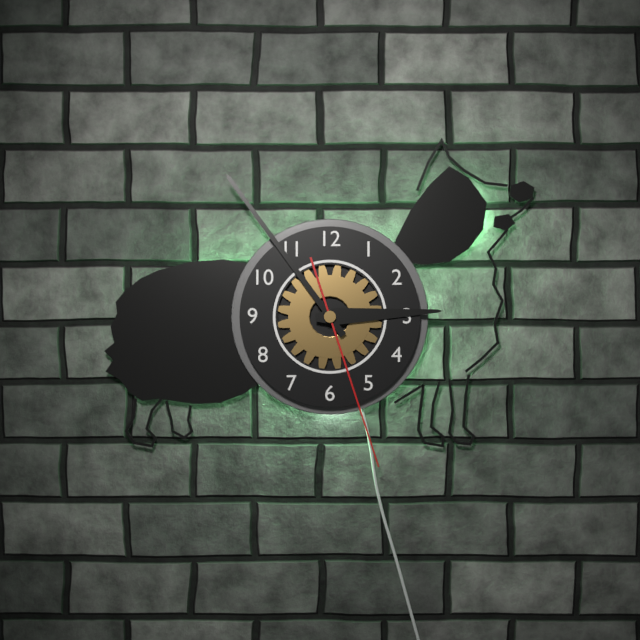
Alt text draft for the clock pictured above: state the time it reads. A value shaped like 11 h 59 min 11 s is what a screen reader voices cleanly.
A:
2 h 54 min 27 s
